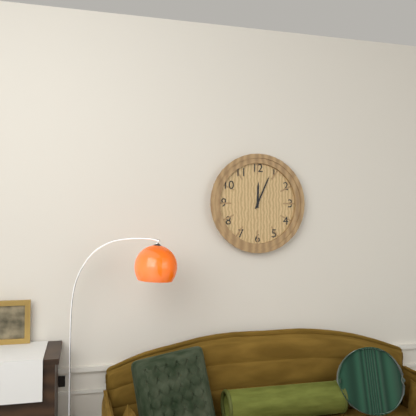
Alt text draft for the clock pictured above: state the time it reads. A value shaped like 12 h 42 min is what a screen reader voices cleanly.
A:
12 h 04 min
